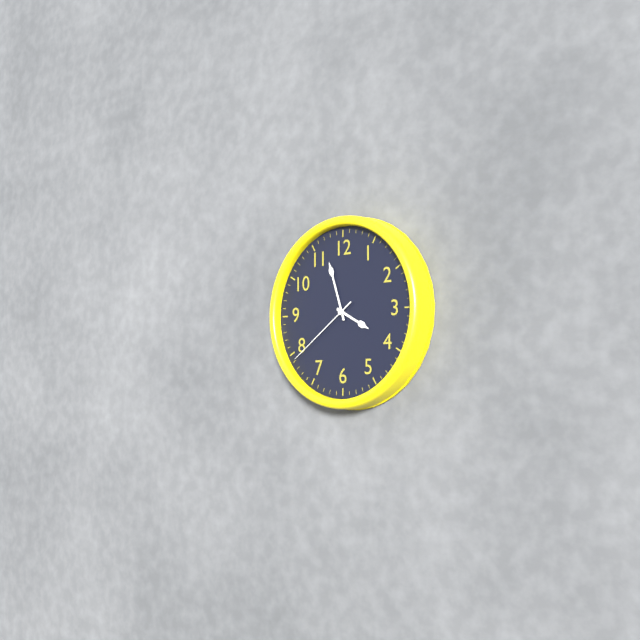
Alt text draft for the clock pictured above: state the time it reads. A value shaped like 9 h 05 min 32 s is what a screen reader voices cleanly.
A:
3 h 57 min 39 s
